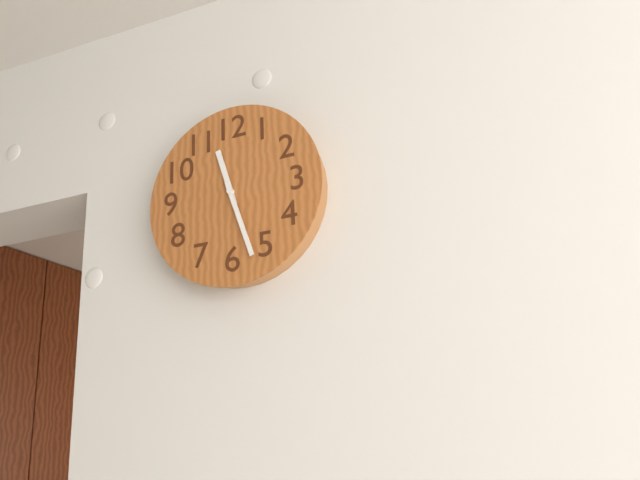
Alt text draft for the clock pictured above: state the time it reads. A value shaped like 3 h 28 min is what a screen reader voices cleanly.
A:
11 h 27 min
